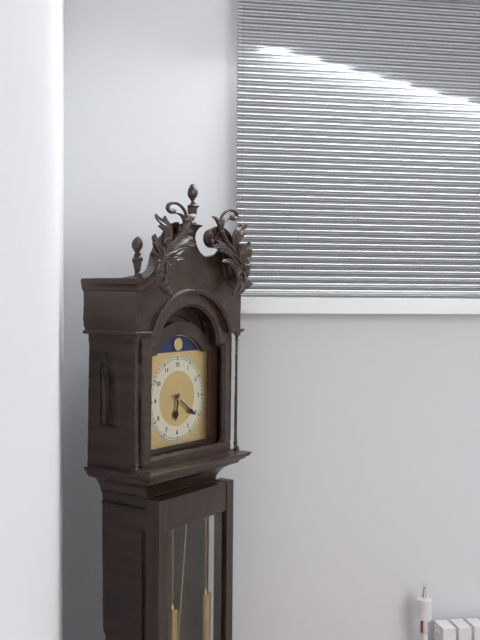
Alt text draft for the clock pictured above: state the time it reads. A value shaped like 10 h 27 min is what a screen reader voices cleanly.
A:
6 h 21 min
